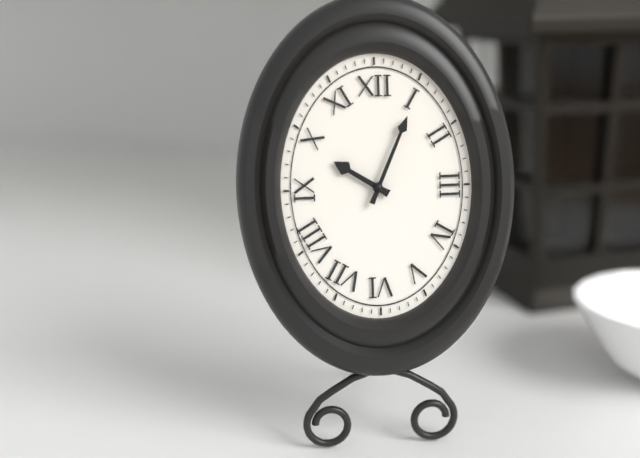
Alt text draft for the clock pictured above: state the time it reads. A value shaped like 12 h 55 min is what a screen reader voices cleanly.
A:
10 h 04 min
